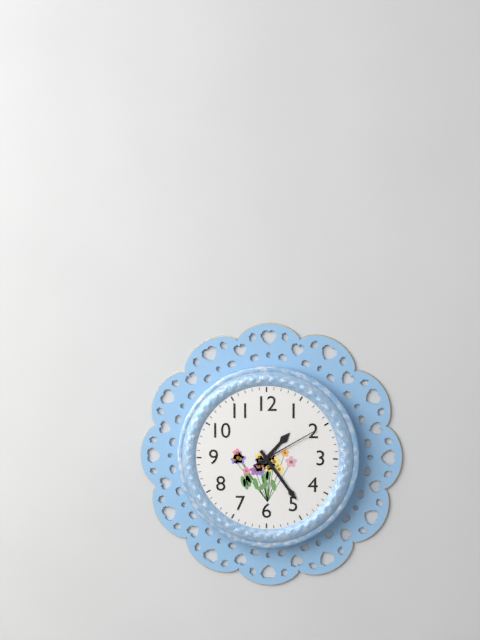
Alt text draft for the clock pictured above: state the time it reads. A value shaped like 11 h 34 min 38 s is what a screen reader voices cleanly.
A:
1 h 24 min 10 s
